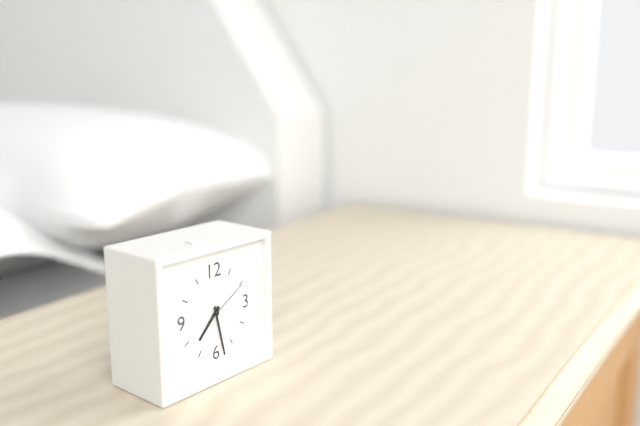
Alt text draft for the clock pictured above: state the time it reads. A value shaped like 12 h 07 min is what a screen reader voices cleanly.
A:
7 h 28 min
